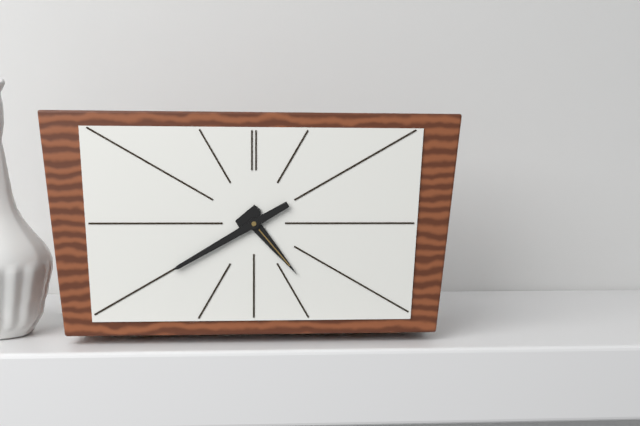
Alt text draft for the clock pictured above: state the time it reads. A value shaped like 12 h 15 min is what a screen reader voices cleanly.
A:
4 h 40 min
